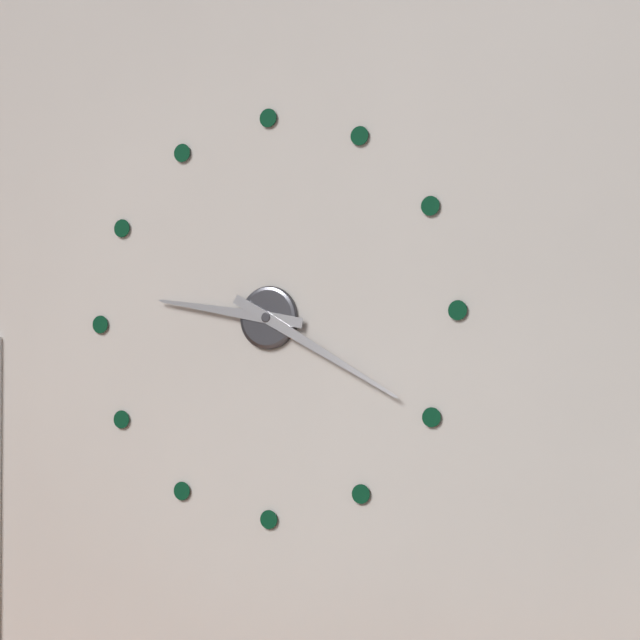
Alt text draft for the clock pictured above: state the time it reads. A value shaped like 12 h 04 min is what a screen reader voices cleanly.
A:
9 h 20 min
